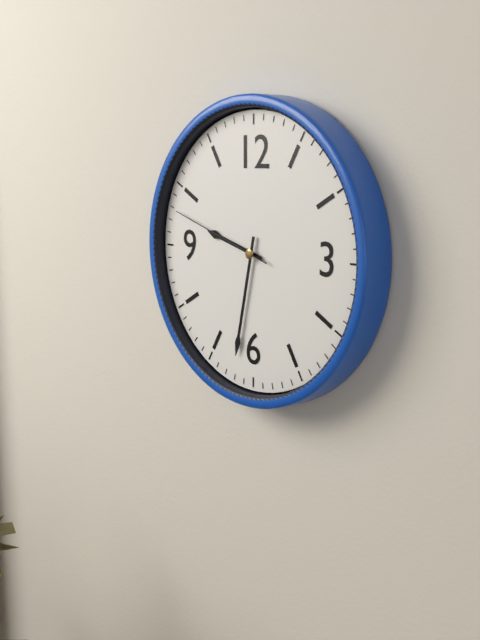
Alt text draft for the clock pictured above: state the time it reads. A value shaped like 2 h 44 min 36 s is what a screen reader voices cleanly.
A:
9 h 32 min 48 s
